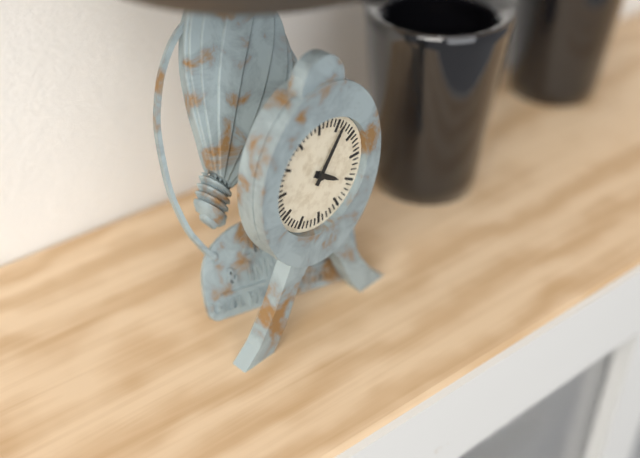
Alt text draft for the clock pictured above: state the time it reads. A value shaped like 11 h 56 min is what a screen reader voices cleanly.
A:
4 h 06 min
